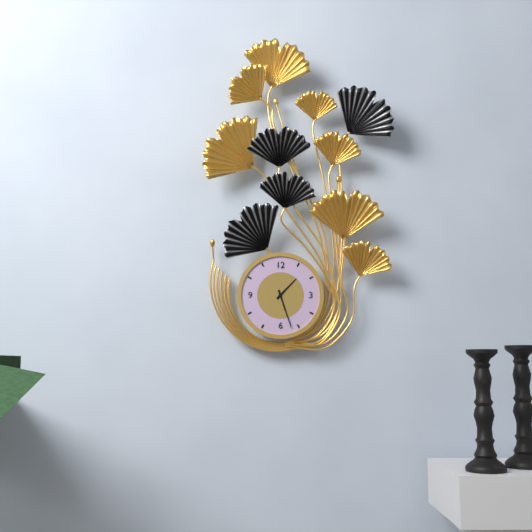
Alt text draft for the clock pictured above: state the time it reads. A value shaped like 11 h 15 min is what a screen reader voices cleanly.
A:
1 h 27 min
